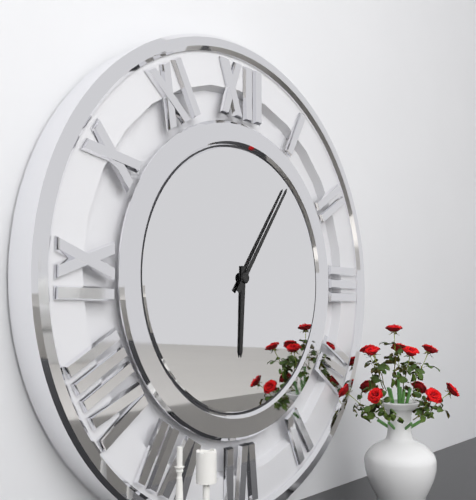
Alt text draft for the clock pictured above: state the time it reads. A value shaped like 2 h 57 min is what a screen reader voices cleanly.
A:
6 h 06 min
